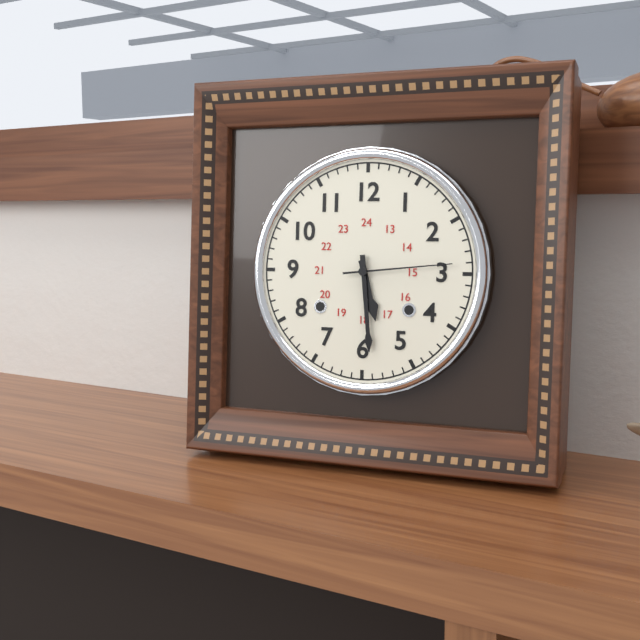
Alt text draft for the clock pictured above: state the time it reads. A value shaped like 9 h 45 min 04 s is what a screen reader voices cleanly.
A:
5 h 29 min 14 s
